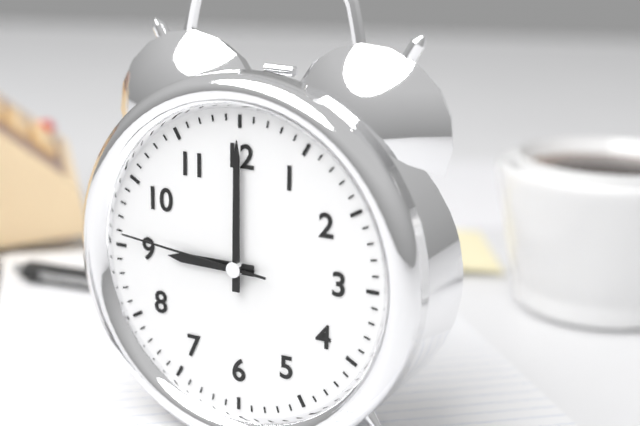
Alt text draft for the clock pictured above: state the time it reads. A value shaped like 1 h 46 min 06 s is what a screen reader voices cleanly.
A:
9 h 00 min 46 s
